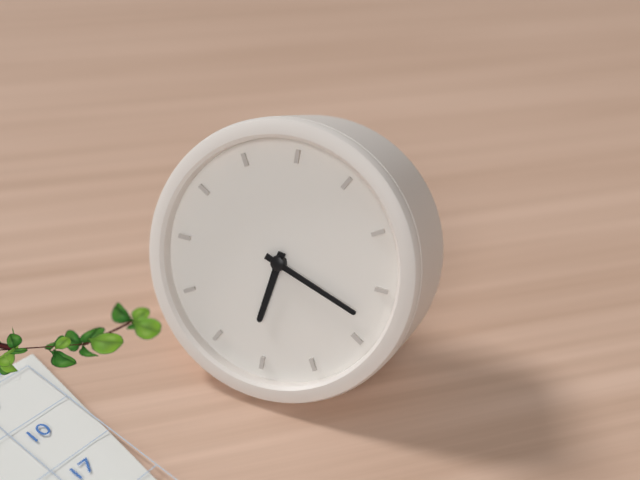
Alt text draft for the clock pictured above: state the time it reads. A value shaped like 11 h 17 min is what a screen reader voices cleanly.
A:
6 h 18 min
